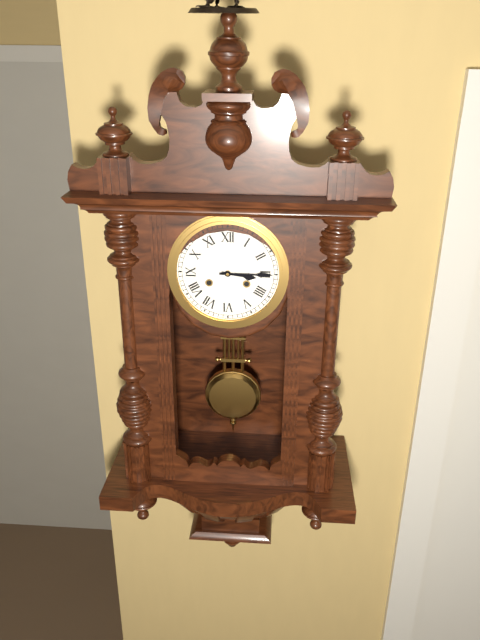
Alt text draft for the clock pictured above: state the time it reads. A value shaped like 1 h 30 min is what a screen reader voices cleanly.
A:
3 h 15 min
